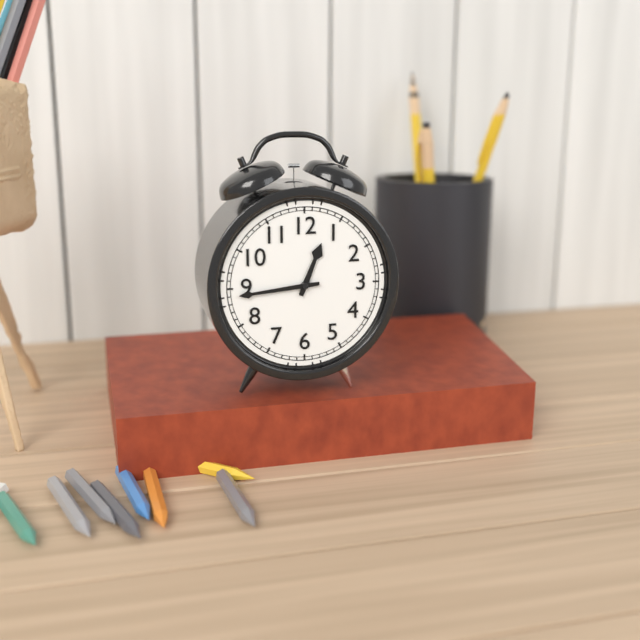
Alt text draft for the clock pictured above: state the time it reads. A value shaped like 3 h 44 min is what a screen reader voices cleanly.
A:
12 h 44 min
